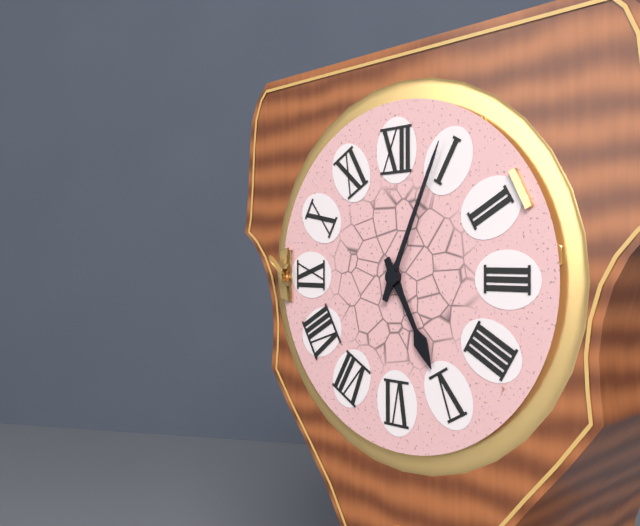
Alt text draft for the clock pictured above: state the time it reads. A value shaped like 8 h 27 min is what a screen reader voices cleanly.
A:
5 h 04 min
